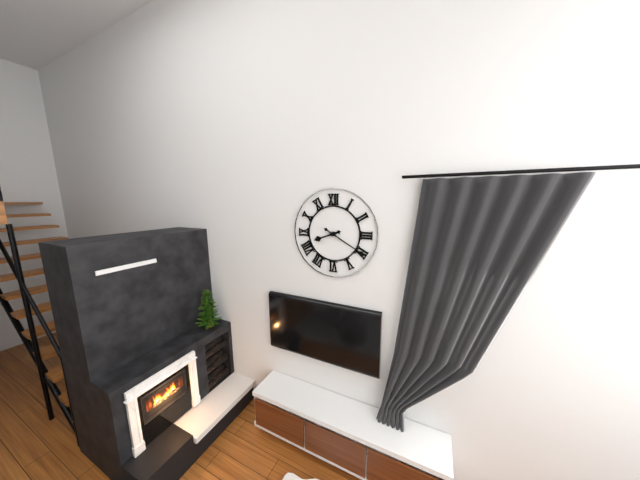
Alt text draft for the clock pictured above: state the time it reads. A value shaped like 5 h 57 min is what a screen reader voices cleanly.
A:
8 h 20 min
